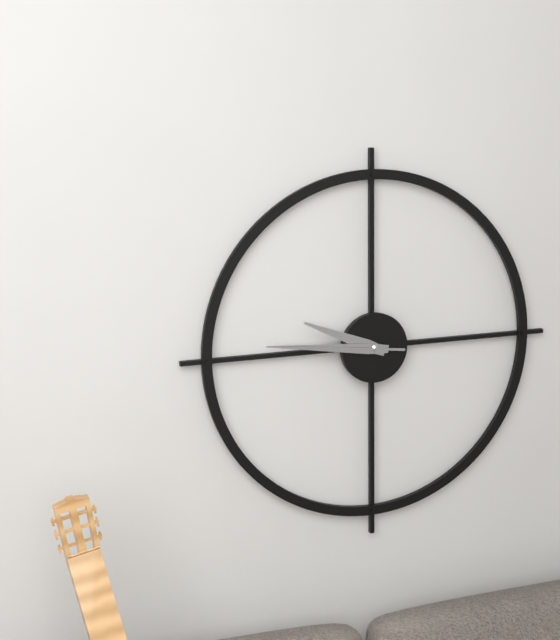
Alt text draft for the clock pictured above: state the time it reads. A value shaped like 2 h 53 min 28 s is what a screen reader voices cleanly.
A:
9 h 46 min 46 s
